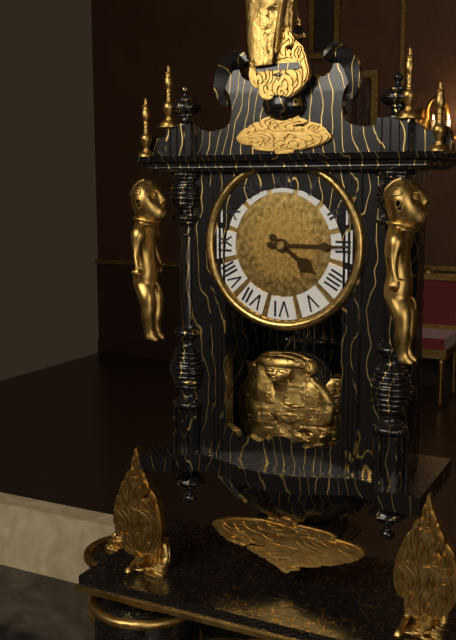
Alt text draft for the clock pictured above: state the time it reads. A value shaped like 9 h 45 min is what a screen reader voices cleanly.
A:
4 h 15 min
